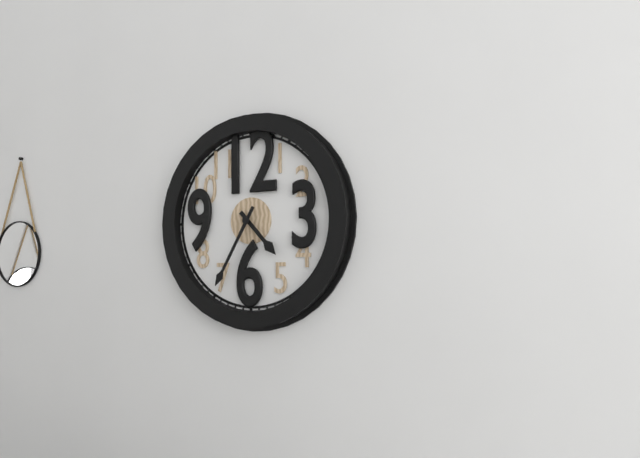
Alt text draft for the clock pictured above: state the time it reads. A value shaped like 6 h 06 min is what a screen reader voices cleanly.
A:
4 h 35 min
